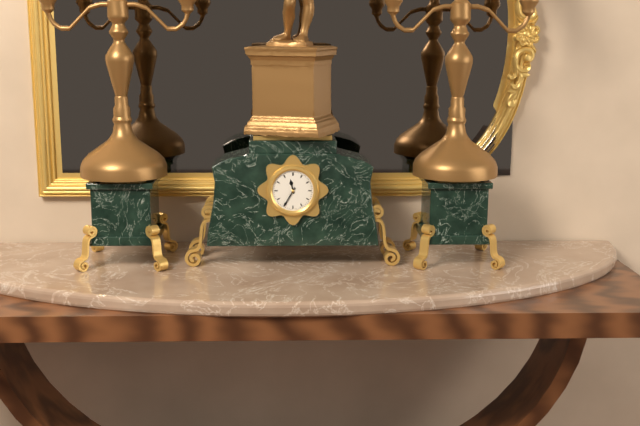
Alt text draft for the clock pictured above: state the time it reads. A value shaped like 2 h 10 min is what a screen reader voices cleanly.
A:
11 h 35 min
